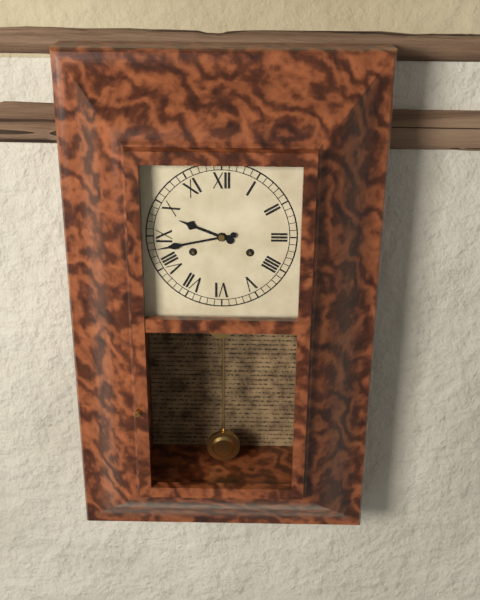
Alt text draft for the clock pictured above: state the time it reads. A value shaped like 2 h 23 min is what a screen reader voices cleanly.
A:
9 h 43 min
